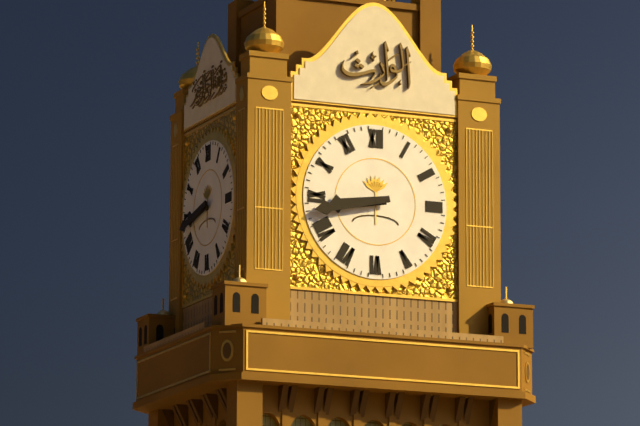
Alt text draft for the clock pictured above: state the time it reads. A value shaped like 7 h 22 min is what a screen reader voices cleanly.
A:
8 h 43 min
